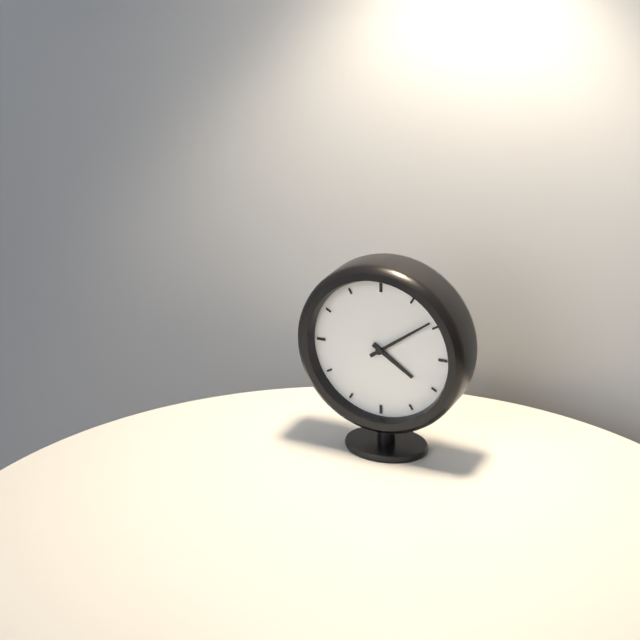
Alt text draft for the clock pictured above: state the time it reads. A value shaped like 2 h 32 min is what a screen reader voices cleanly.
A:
4 h 09 min
